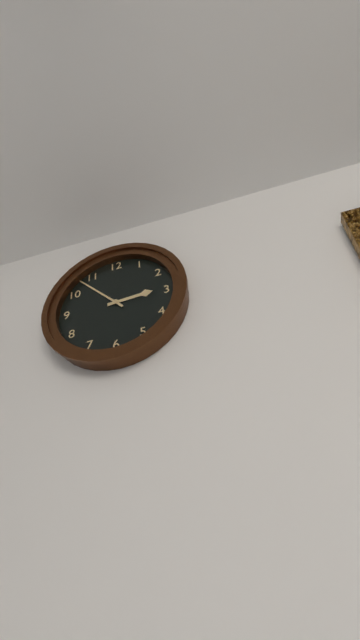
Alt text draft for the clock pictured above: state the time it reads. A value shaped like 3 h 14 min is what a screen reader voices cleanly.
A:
2 h 53 min
